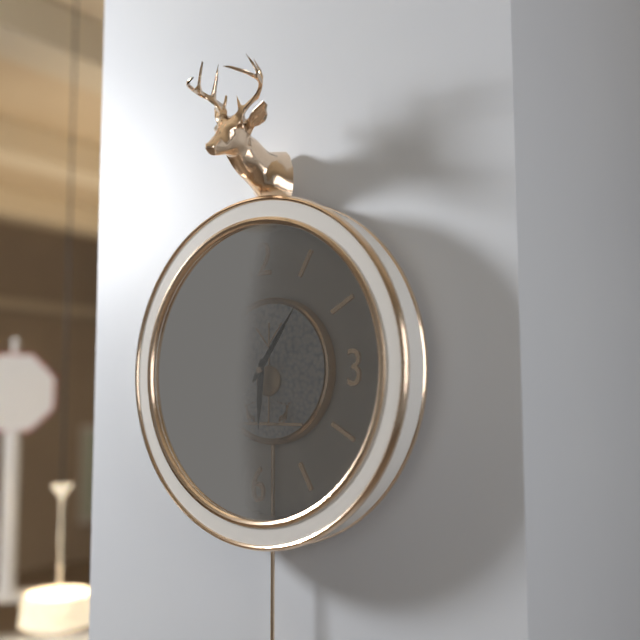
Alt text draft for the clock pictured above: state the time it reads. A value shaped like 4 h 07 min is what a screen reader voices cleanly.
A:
6 h 06 min
